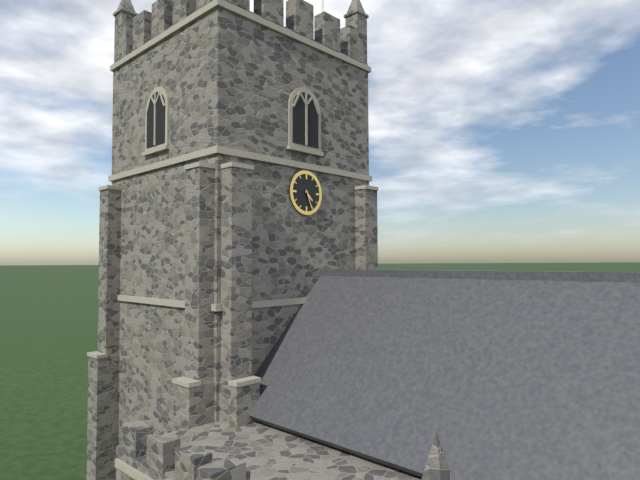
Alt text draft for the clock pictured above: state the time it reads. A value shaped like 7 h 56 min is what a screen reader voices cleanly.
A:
4 h 26 min
